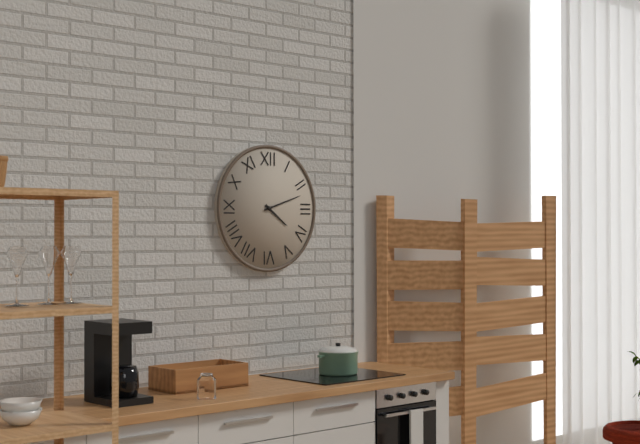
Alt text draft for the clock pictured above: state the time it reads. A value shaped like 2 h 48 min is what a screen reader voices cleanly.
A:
4 h 12 min
